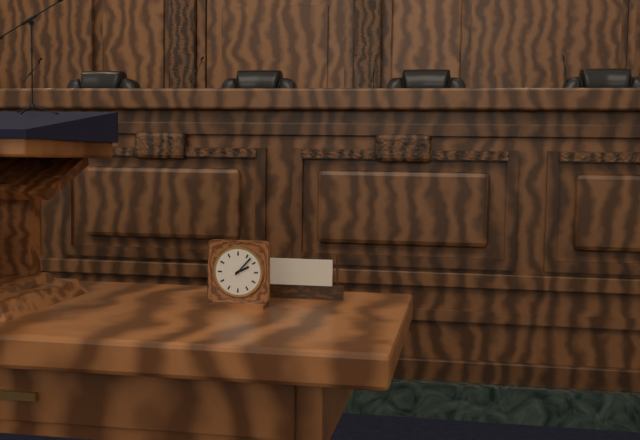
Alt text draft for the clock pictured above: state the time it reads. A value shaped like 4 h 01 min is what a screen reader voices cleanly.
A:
2 h 07 min
